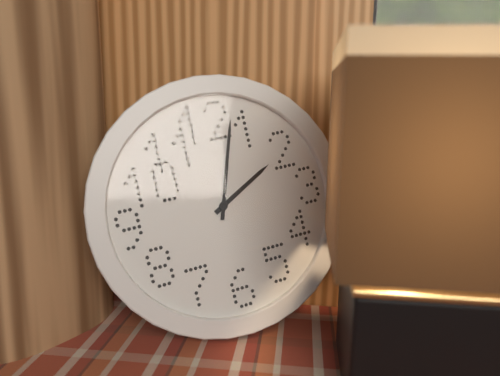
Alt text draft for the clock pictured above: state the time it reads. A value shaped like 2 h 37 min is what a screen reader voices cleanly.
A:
2 h 03 min
